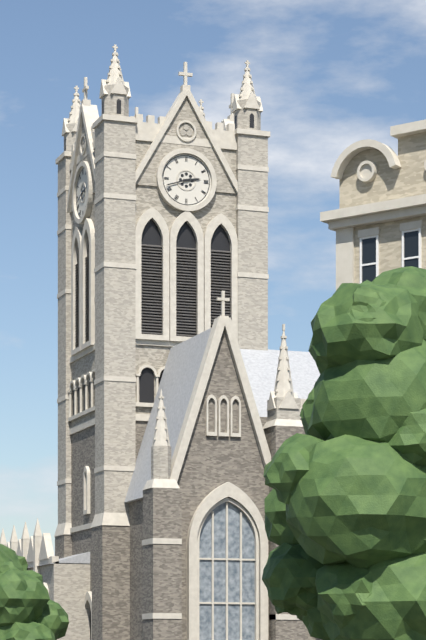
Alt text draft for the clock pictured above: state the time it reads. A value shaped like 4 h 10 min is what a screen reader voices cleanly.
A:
2 h 42 min
